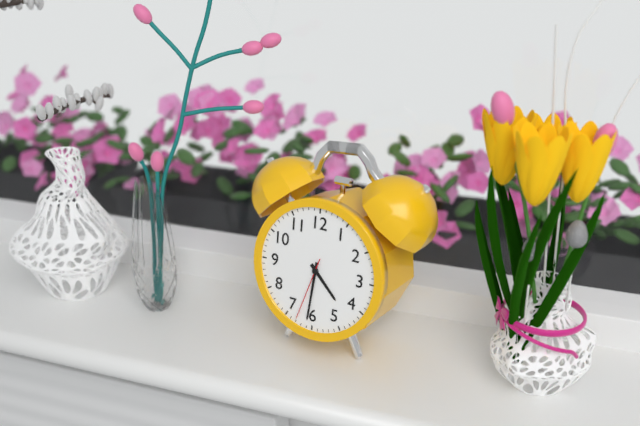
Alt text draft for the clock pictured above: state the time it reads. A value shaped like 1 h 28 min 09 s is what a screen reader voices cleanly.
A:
4 h 31 min 33 s
